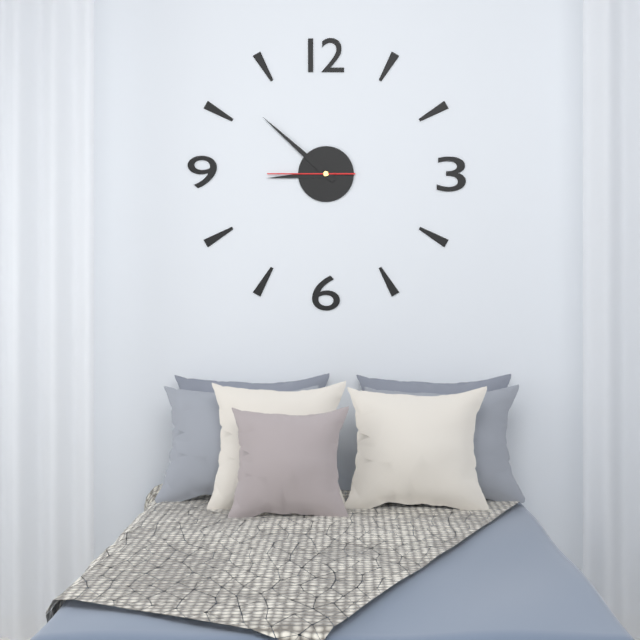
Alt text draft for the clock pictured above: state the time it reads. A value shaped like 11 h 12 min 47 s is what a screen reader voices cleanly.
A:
8 h 52 min 45 s
